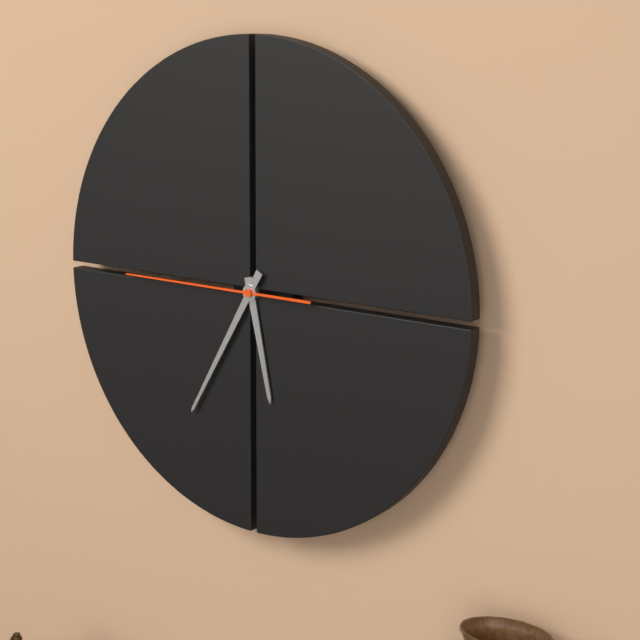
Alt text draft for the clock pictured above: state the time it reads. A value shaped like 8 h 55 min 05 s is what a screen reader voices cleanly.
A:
5 h 35 min 45 s
